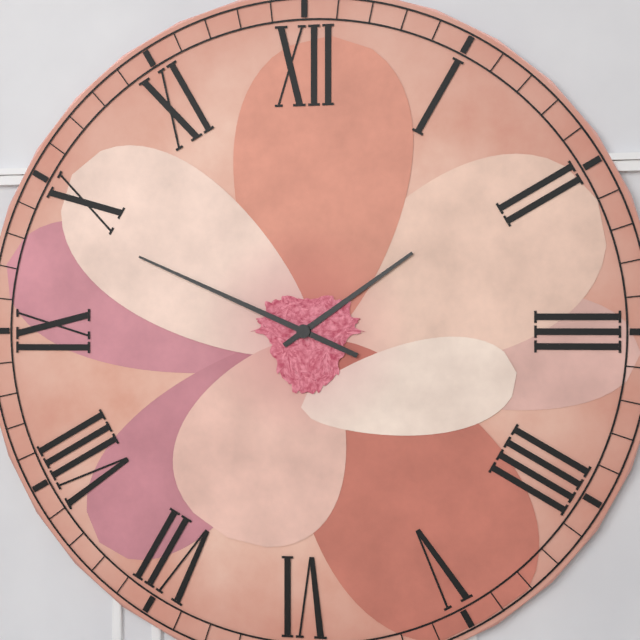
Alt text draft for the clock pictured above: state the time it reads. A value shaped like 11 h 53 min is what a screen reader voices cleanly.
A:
1 h 49 min
